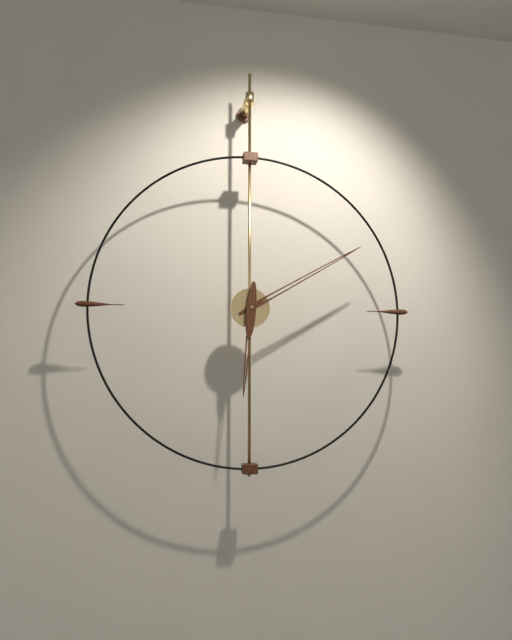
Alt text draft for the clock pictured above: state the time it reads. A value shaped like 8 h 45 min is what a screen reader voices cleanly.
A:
6 h 10 min
